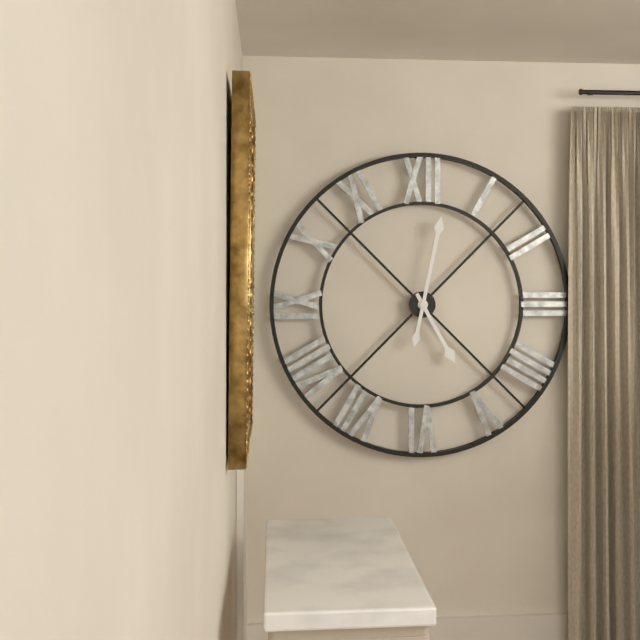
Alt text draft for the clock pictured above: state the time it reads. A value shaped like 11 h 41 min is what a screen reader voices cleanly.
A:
5 h 02 min
